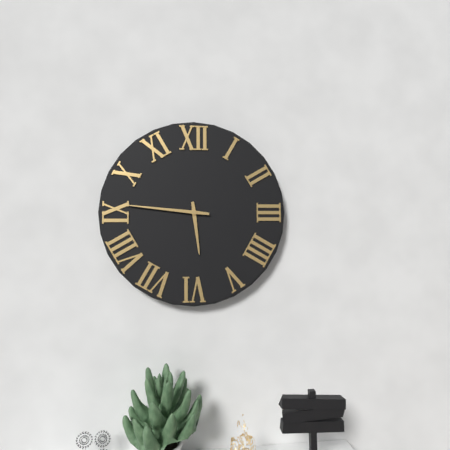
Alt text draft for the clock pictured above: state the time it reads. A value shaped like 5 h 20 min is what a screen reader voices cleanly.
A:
5 h 46 min
